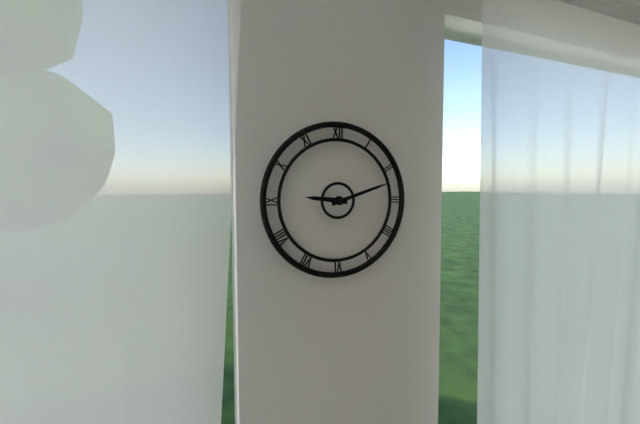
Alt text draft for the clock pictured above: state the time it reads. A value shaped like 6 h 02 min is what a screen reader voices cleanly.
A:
9 h 12 min
